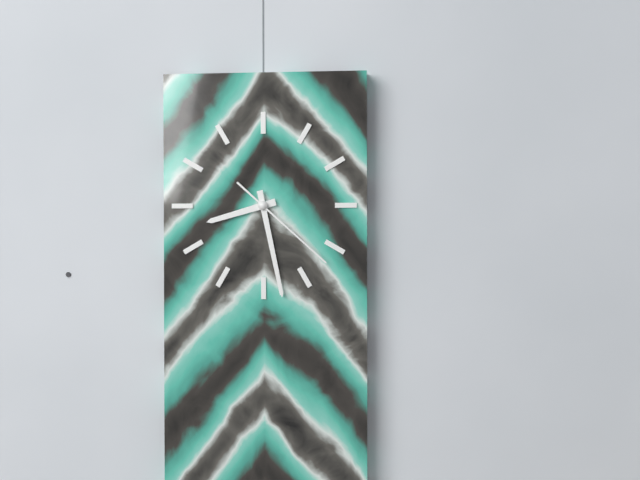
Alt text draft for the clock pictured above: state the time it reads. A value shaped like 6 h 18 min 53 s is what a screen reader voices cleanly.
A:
8 h 28 min 22 s
